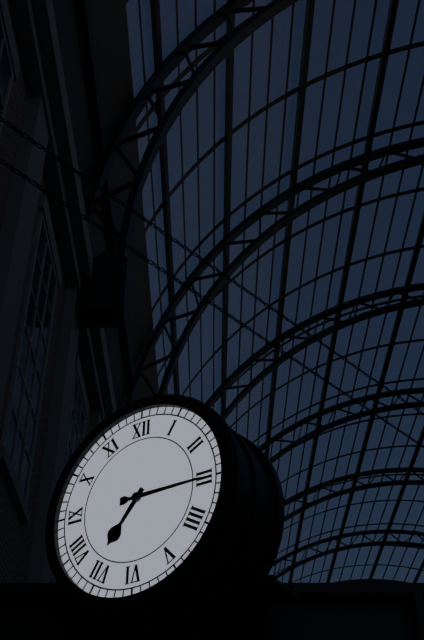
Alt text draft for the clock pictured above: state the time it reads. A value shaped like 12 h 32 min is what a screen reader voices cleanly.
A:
7 h 15 min
